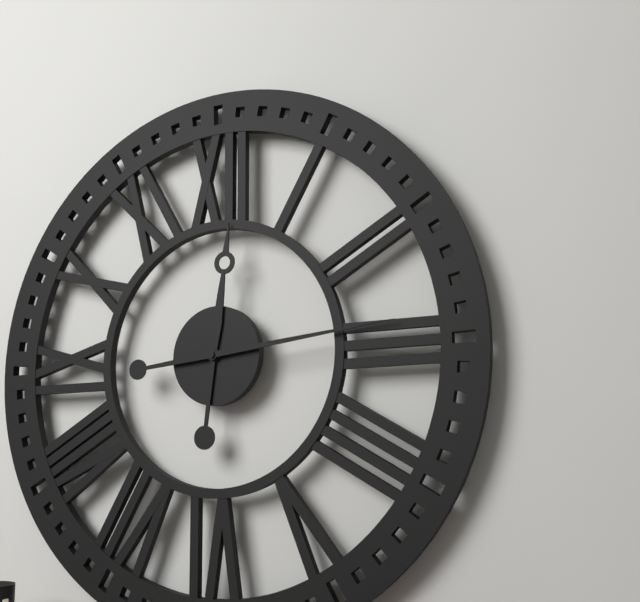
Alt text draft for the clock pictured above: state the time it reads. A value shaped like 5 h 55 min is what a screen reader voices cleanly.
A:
12 h 14 min
